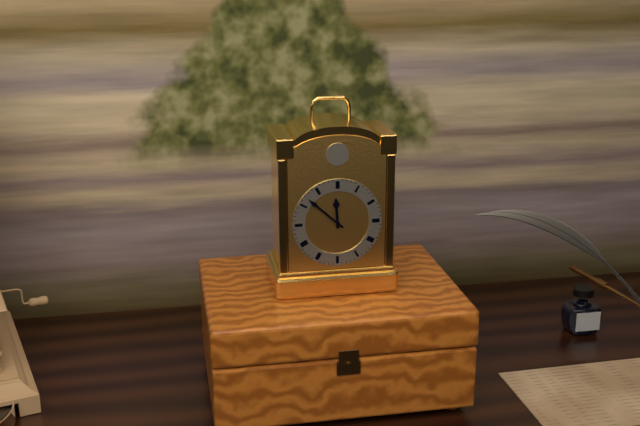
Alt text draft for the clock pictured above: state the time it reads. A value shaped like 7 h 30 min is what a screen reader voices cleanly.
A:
11 h 52 min
